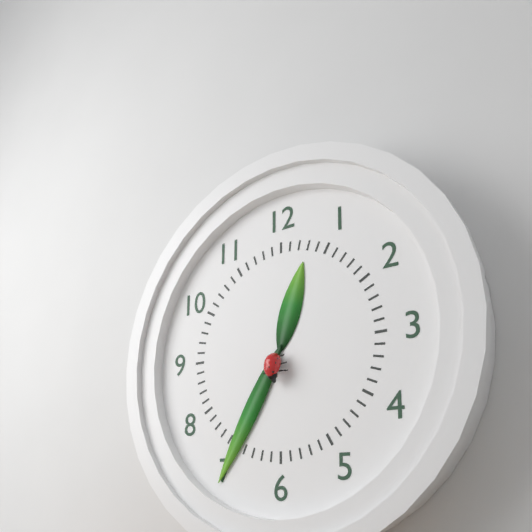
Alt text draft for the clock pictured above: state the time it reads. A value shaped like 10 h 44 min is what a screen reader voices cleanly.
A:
12 h 35 min
